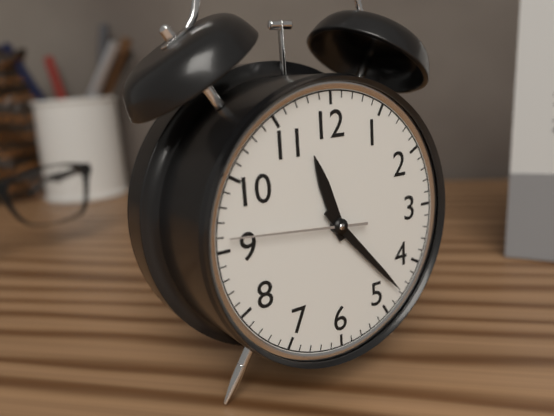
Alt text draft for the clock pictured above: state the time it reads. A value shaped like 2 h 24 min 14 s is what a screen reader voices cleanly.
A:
11 h 23 min 46 s
